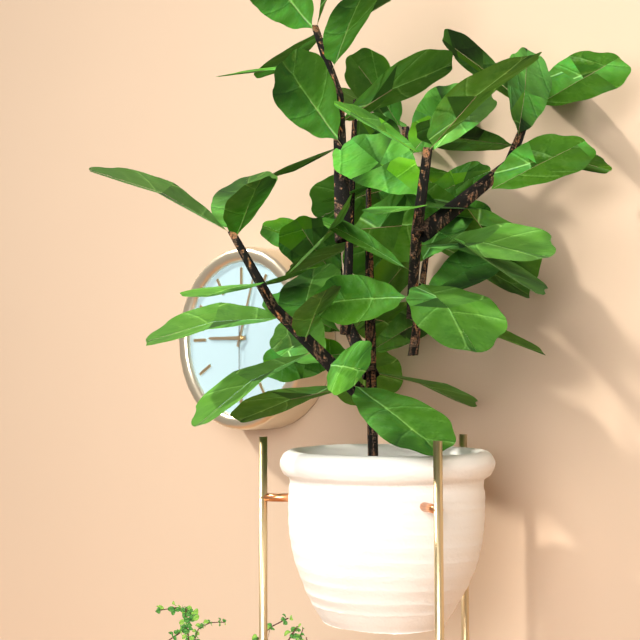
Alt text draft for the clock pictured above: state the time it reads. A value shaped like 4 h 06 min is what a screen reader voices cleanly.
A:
9 h 03 min
